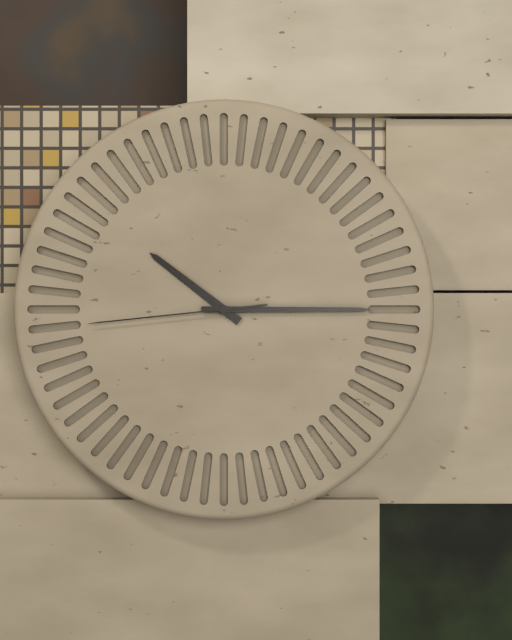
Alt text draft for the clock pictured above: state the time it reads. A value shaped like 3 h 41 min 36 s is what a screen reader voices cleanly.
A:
10 h 15 min 44 s
